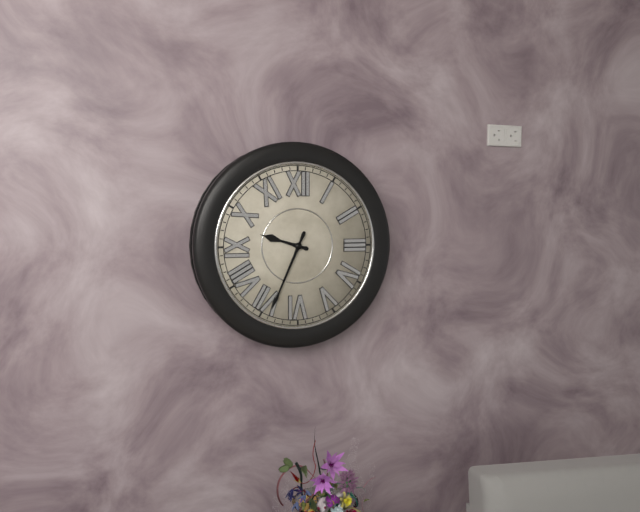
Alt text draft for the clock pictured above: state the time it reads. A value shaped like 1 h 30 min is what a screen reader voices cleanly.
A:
9 h 34 min
